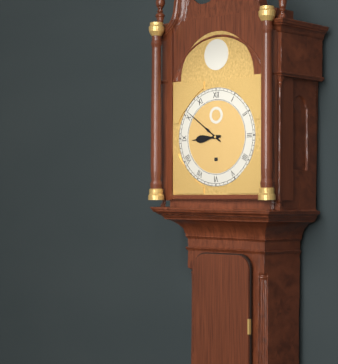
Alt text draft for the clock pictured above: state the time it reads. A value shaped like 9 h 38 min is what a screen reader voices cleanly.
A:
8 h 51 min
